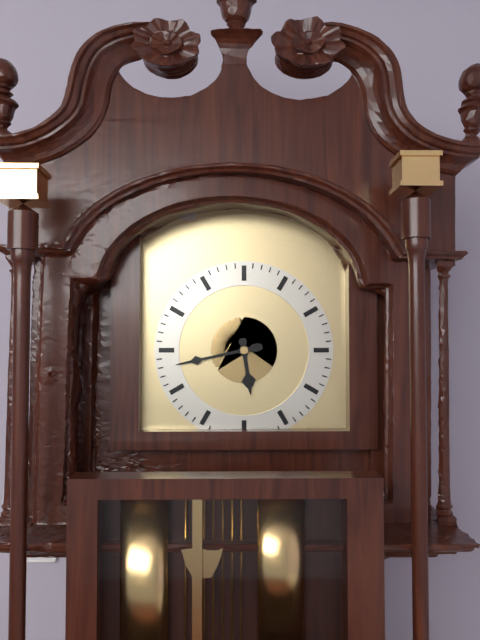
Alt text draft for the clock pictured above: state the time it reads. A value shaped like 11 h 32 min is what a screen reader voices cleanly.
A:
5 h 43 min
